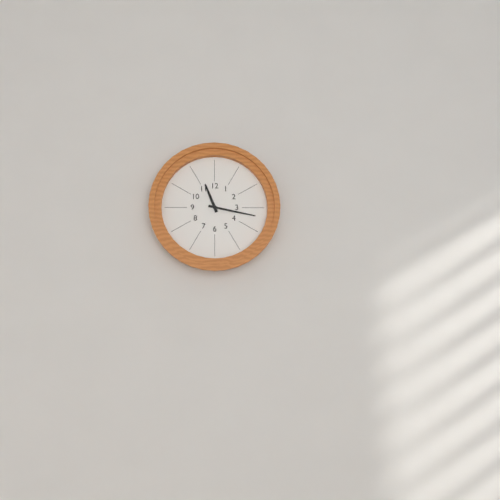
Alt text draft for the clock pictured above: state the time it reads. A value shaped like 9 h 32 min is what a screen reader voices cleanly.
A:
11 h 17 min
